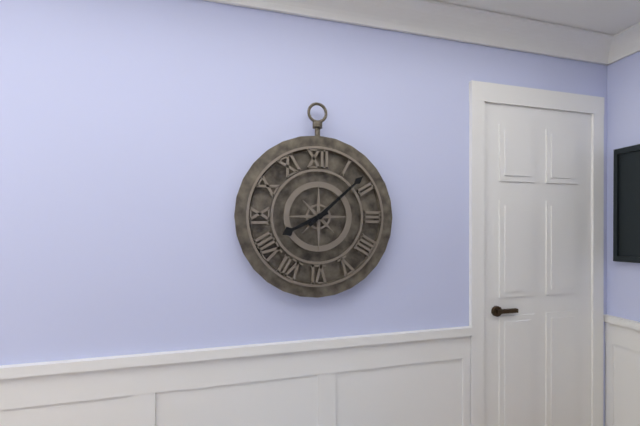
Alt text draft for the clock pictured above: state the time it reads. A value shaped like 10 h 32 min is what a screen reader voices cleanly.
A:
8 h 08 min
